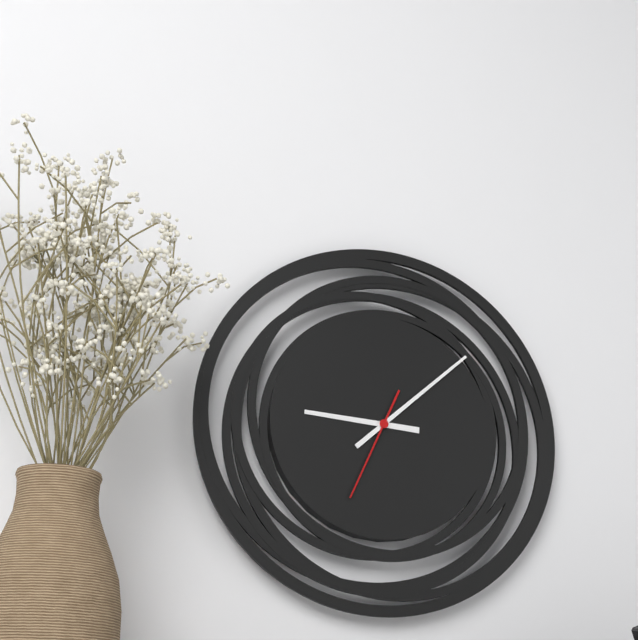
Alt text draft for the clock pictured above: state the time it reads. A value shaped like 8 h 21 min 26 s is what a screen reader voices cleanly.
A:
9 h 08 min 34 s
